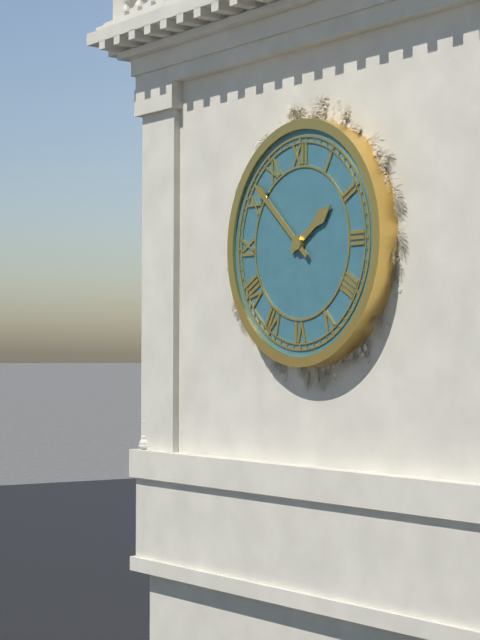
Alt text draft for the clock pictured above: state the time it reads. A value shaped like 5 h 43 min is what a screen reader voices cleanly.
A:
1 h 52 min
